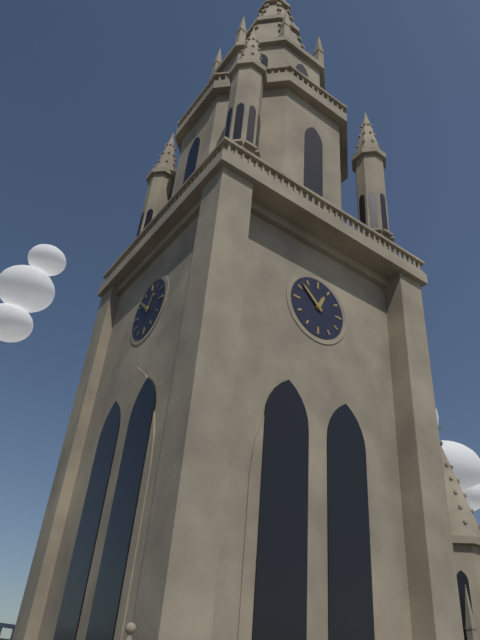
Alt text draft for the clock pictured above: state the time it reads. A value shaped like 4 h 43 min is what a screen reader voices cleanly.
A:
12 h 52 min
